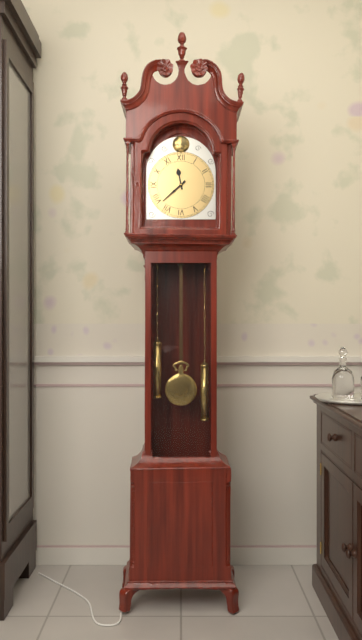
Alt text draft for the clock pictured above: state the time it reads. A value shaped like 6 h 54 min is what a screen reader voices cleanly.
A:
11 h 38 min
